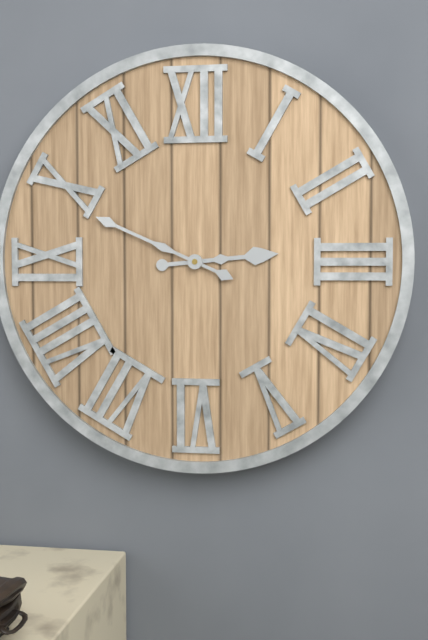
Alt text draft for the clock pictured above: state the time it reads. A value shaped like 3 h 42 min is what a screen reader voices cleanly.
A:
2 h 49 min
